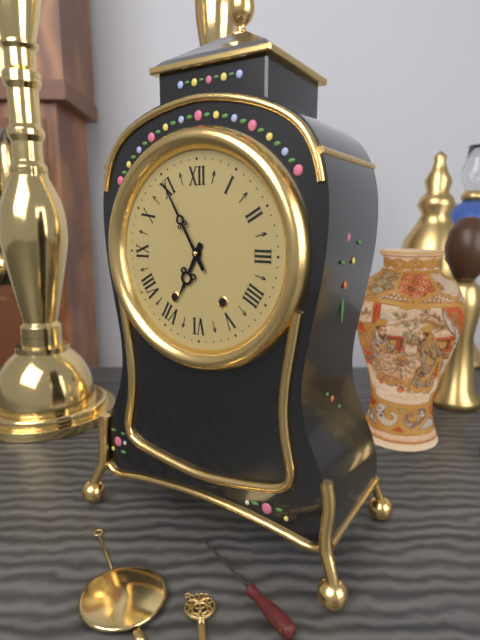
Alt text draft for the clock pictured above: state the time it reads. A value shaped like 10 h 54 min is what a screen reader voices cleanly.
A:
6 h 55 min
